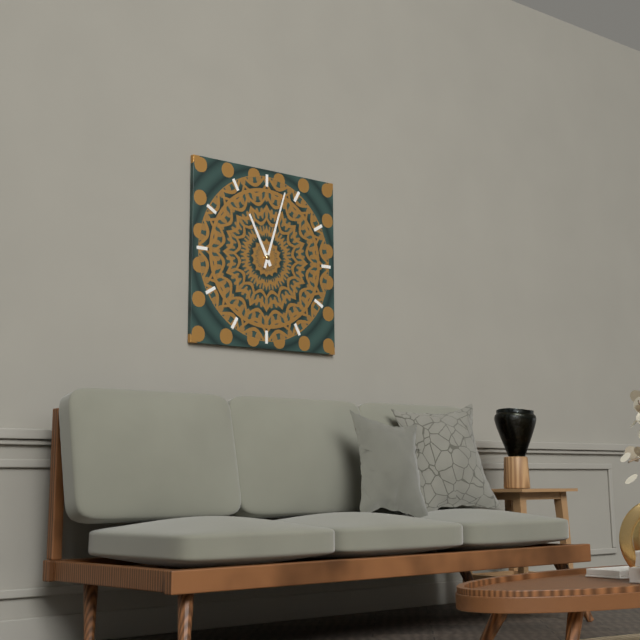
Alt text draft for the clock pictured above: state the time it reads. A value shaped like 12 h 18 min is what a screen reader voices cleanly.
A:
11 h 03 min
